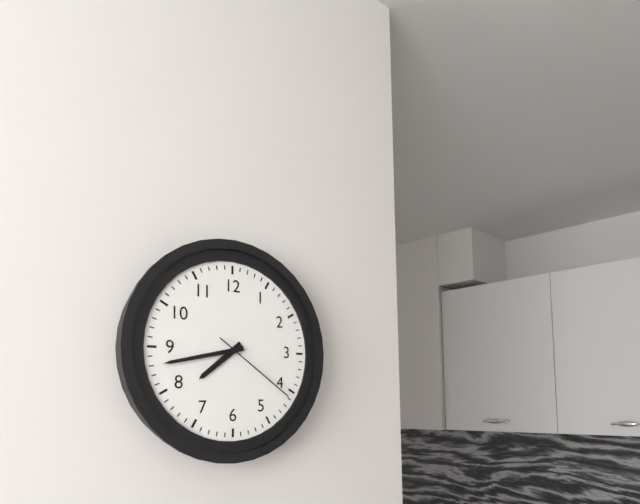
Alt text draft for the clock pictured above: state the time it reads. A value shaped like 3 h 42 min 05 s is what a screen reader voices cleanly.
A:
7 h 43 min 21 s
